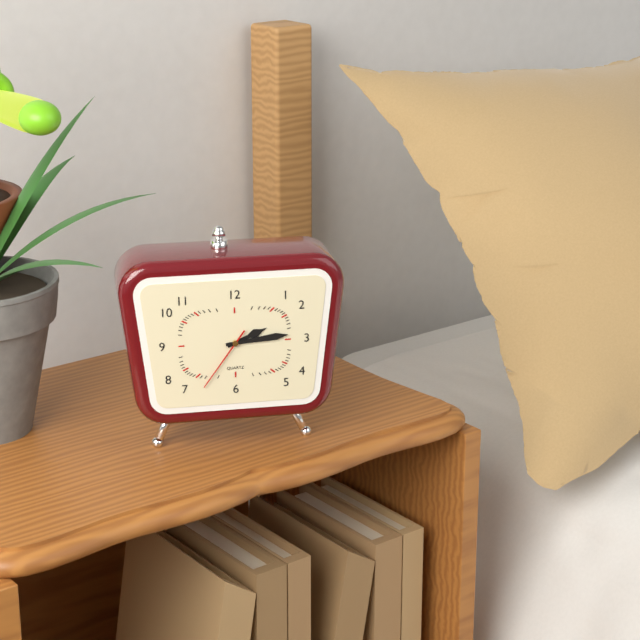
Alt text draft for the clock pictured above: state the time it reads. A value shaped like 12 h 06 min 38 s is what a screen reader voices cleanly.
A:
2 h 14 min 36 s
